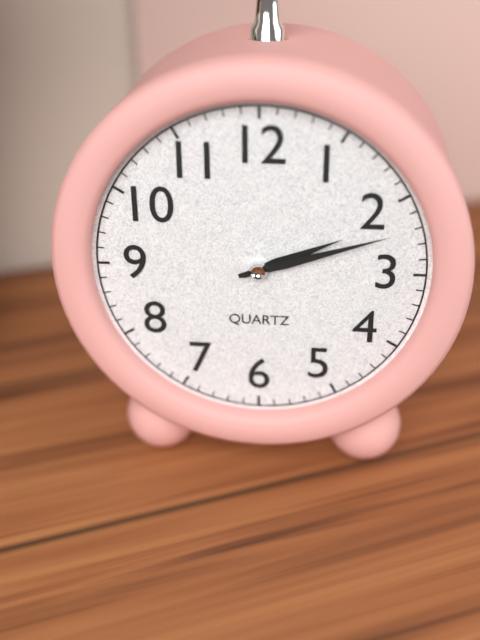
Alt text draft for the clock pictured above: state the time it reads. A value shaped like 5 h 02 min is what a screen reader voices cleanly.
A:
2 h 12 min
